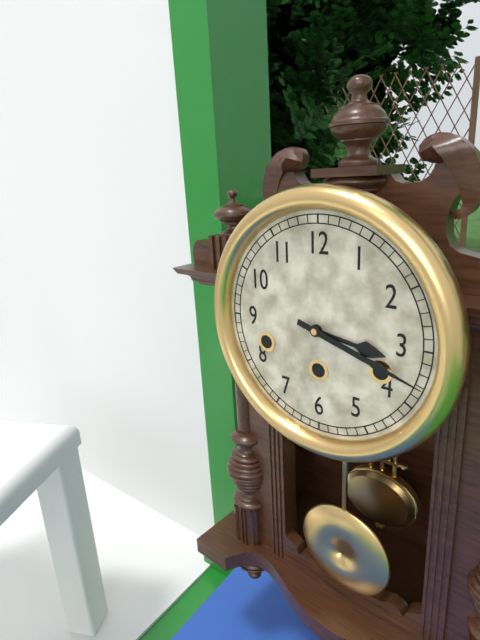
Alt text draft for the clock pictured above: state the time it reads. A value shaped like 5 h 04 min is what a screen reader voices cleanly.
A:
3 h 18 min
